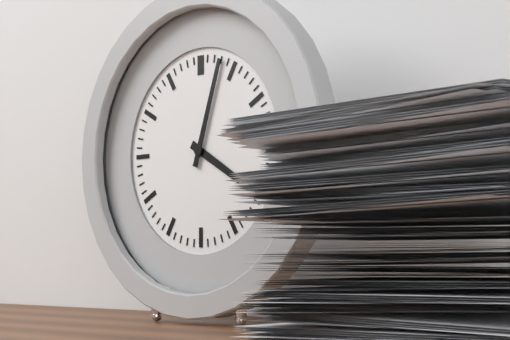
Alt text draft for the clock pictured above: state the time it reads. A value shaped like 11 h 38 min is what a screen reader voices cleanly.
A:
4 h 03 min
